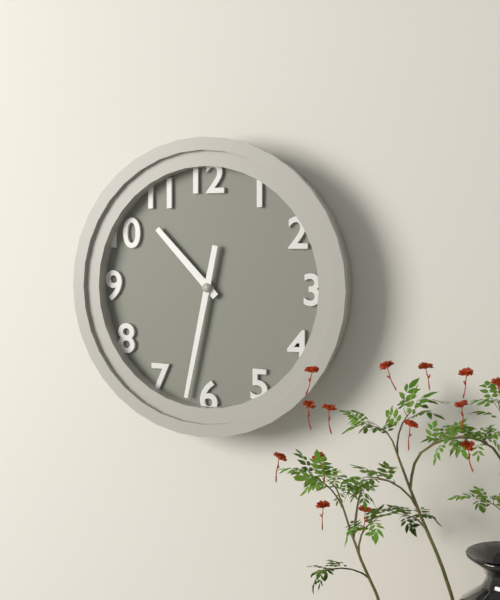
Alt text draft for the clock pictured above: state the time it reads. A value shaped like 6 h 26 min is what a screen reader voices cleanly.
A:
10 h 32 min
